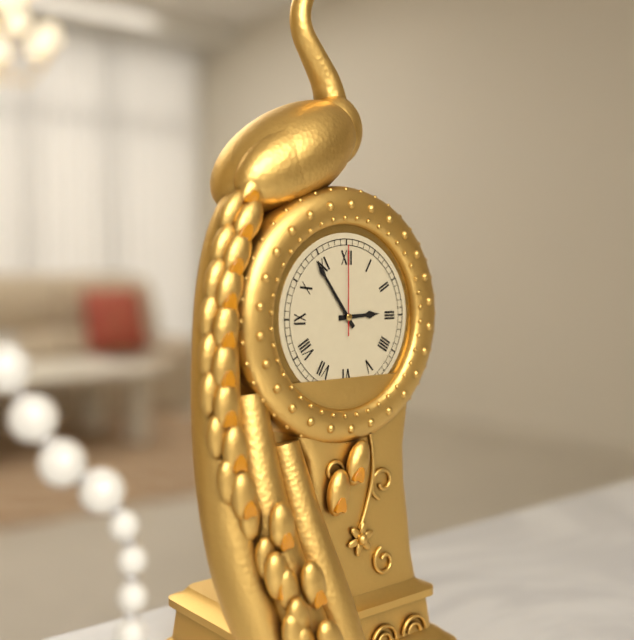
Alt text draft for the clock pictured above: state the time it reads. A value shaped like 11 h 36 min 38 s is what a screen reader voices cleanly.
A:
2 h 54 min 00 s
